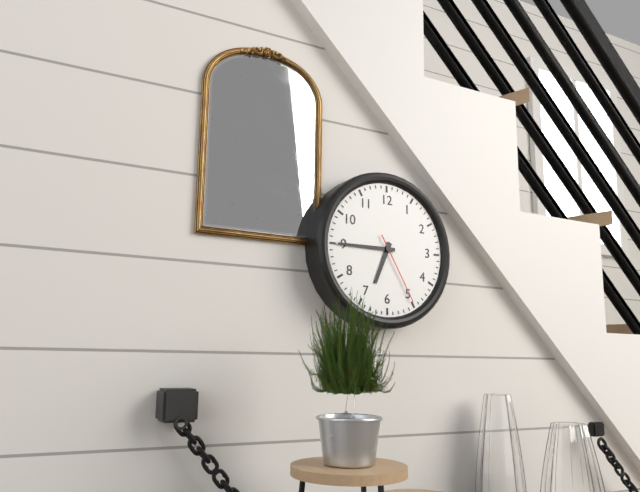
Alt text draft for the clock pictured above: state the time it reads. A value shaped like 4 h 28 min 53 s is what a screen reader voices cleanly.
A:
6 h 45 min 25 s
